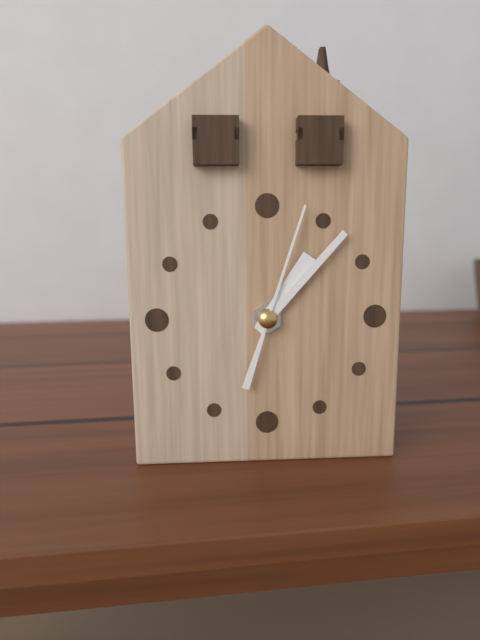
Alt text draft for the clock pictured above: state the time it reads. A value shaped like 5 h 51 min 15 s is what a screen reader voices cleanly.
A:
1 h 07 min 03 s
